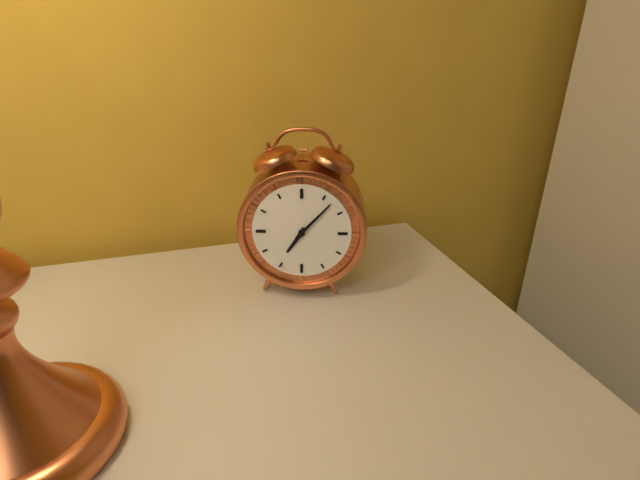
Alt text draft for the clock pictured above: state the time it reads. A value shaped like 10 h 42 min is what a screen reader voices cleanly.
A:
7 h 07 min
